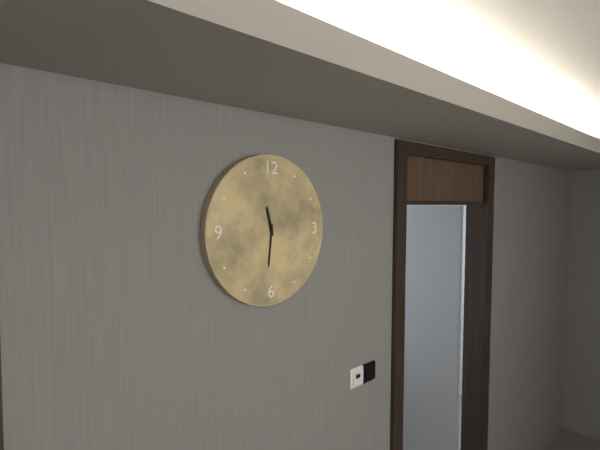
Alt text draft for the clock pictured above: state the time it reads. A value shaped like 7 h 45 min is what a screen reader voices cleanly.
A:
11 h 31 min
